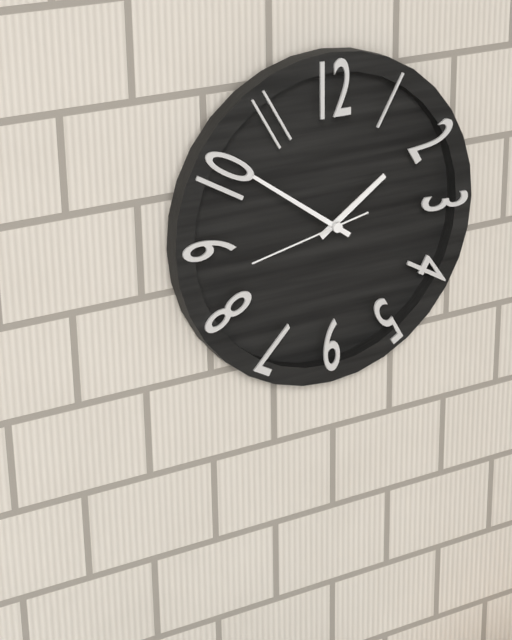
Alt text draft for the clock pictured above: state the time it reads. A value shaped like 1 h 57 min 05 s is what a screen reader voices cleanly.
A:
1 h 51 min 43 s
